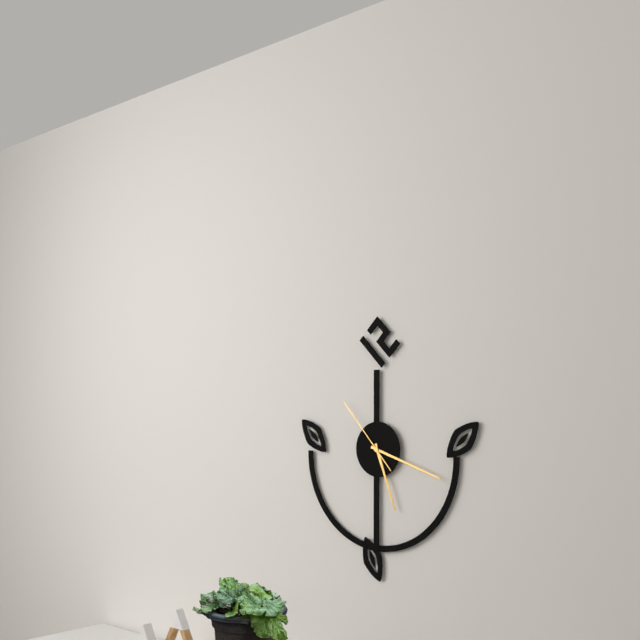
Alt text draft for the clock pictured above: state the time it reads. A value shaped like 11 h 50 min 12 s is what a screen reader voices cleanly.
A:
5 h 18 min 53 s
